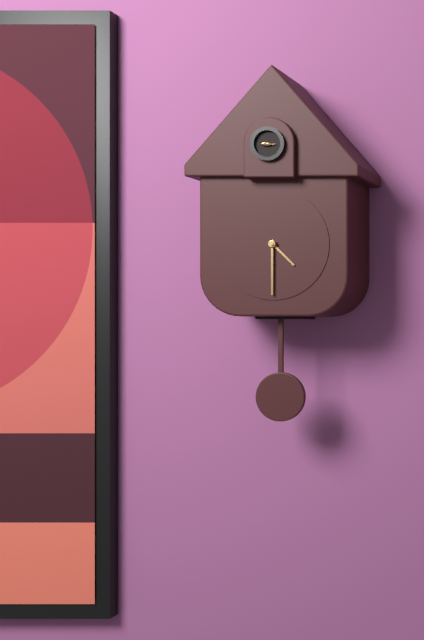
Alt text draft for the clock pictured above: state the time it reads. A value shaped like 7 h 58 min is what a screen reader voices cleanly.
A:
4 h 30 min
